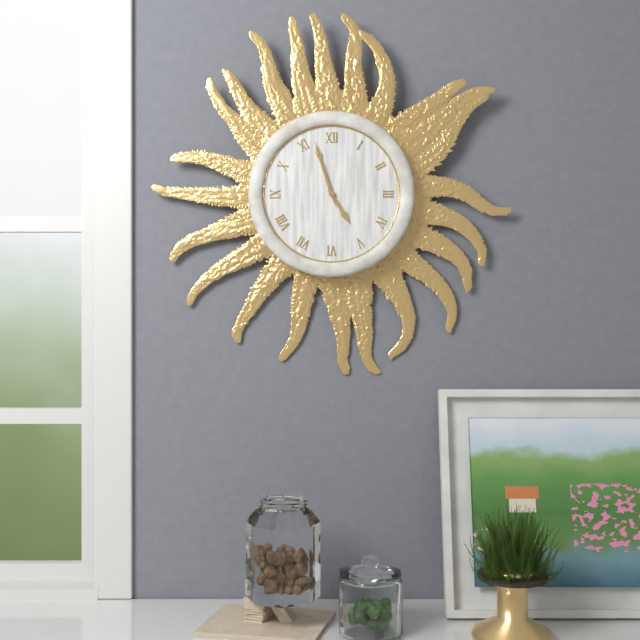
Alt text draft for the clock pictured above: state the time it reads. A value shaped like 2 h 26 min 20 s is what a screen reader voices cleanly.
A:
4 h 57 min 57 s
